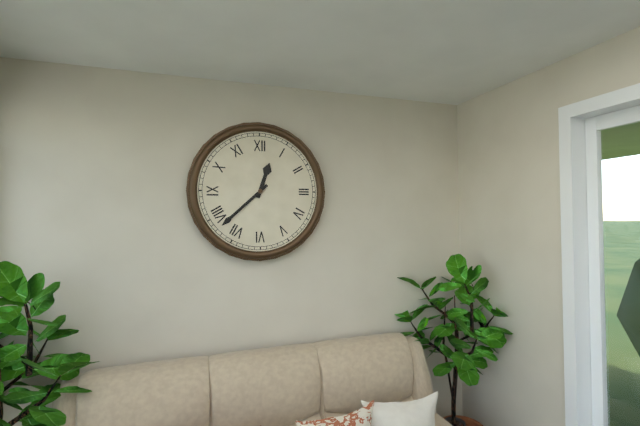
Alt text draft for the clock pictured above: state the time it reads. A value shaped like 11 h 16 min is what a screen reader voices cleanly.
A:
12 h 38 min
